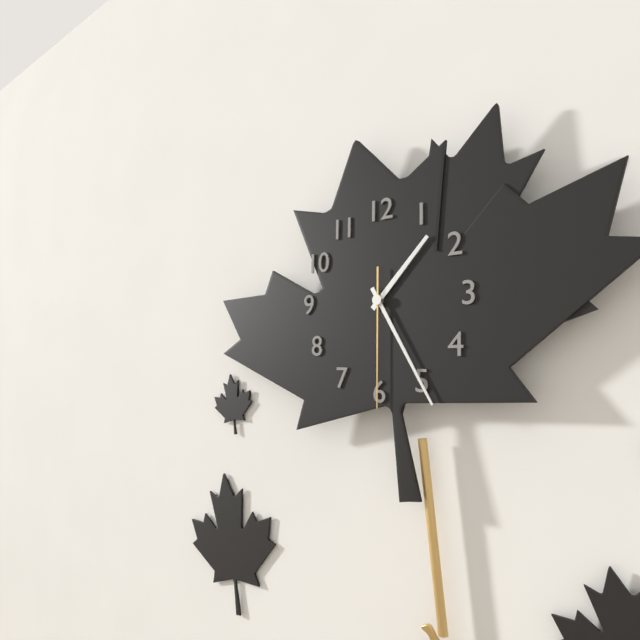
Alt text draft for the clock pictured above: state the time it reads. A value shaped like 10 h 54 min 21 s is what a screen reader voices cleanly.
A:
1 h 25 min 30 s
